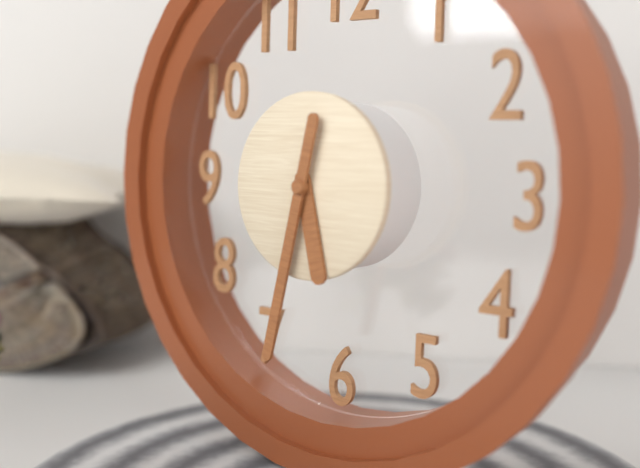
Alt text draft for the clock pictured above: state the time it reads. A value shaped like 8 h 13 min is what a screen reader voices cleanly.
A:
5 h 32 min
